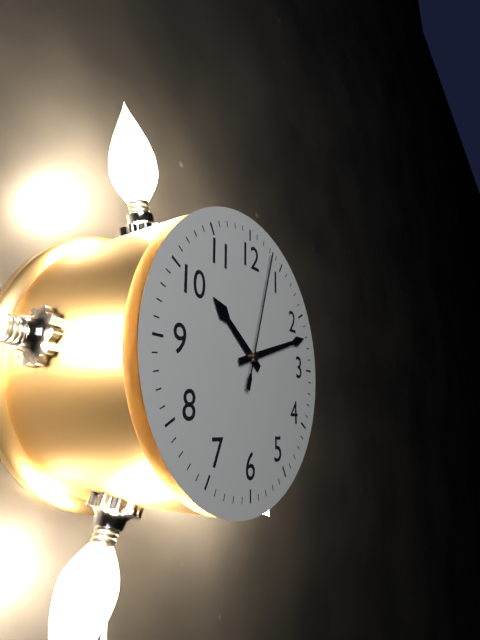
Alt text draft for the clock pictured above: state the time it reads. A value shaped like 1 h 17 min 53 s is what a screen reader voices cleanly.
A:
10 h 12 min 03 s
